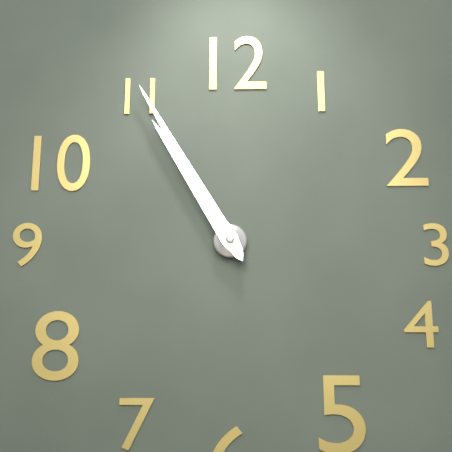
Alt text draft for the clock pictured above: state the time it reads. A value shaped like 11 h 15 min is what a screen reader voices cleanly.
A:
10 h 55 min
